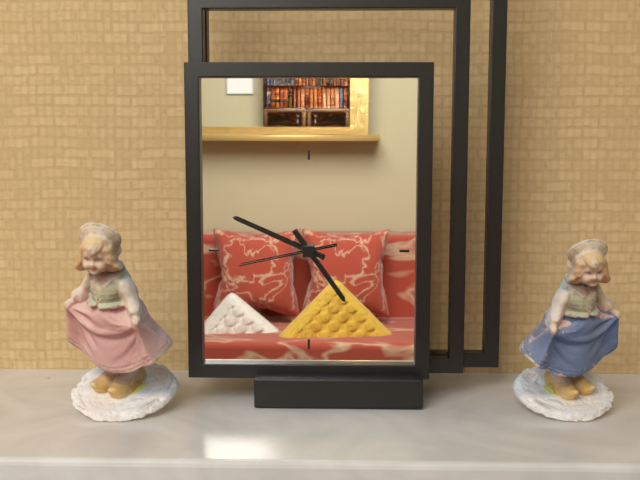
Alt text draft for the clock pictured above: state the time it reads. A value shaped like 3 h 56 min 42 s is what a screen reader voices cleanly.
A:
4 h 49 min 43 s
